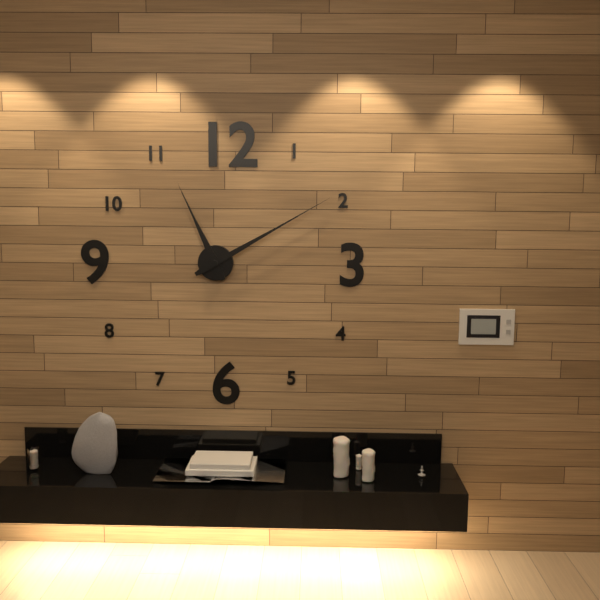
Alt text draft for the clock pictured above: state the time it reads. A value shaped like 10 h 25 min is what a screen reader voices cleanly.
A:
11 h 10 min
